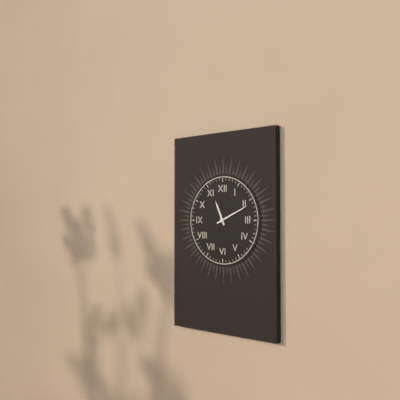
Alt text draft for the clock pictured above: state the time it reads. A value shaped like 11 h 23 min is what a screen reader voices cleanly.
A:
11 h 11 min
